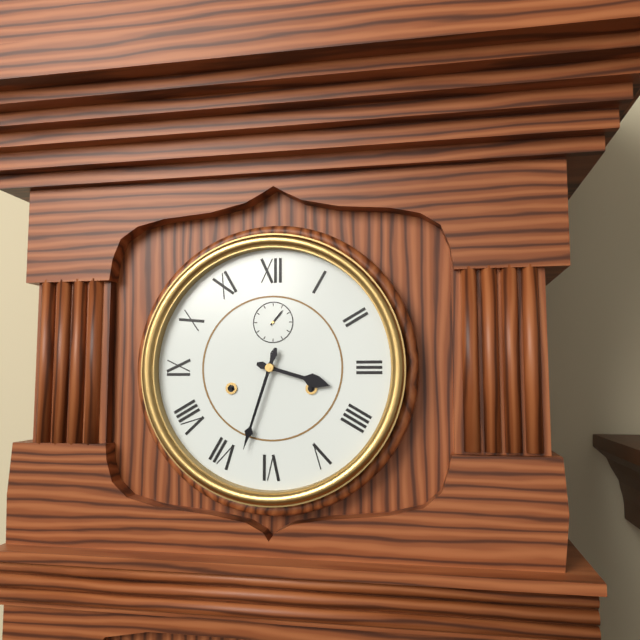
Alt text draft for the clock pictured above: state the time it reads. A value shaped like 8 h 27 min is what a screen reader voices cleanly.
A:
3 h 33 min
